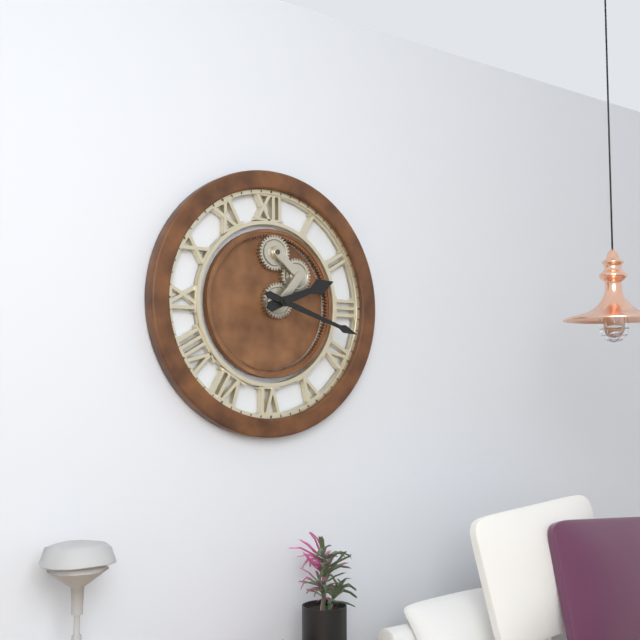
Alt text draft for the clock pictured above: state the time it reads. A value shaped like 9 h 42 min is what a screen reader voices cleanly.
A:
2 h 18 min
